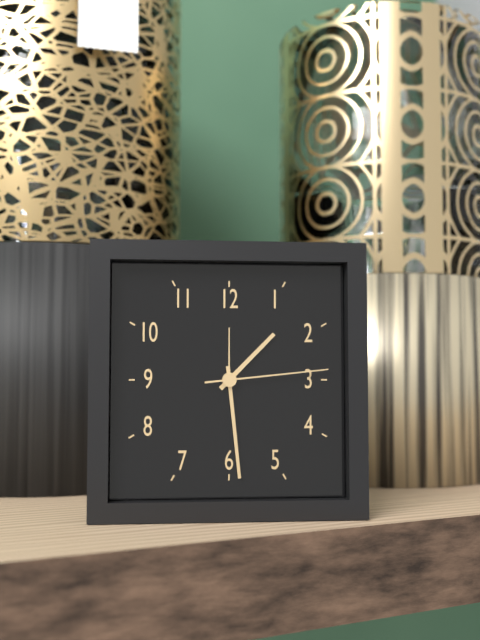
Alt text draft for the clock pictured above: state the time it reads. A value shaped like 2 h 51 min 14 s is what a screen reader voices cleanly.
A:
1 h 29 min 14 s
